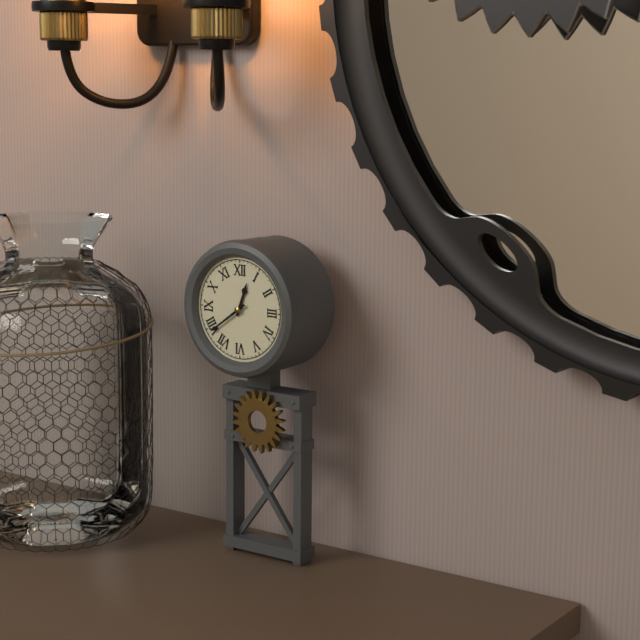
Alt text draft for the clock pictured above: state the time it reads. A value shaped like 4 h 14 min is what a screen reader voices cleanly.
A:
12 h 39 min
